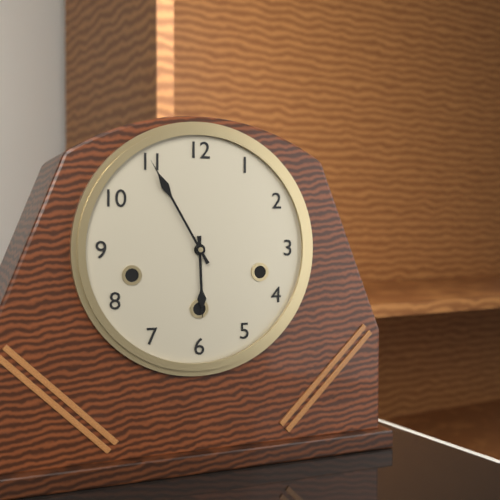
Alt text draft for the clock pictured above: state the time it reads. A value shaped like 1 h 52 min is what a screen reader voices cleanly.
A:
5 h 55 min
